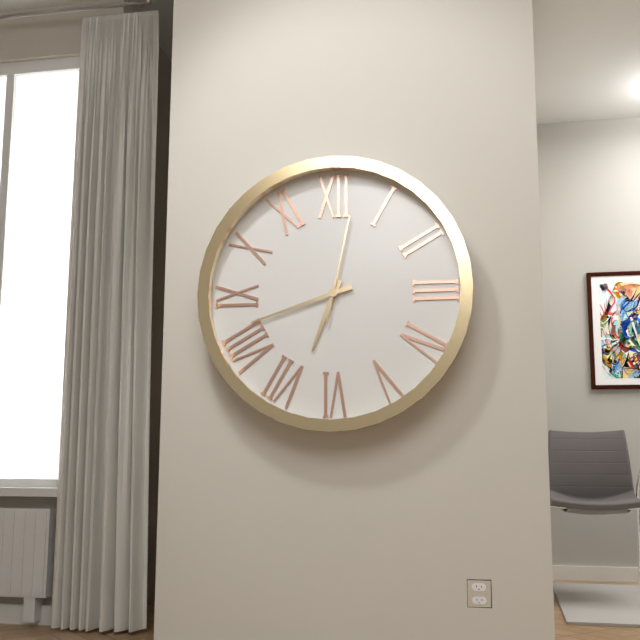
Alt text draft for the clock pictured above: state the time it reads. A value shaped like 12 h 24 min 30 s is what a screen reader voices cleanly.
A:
6 h 42 min 02 s
